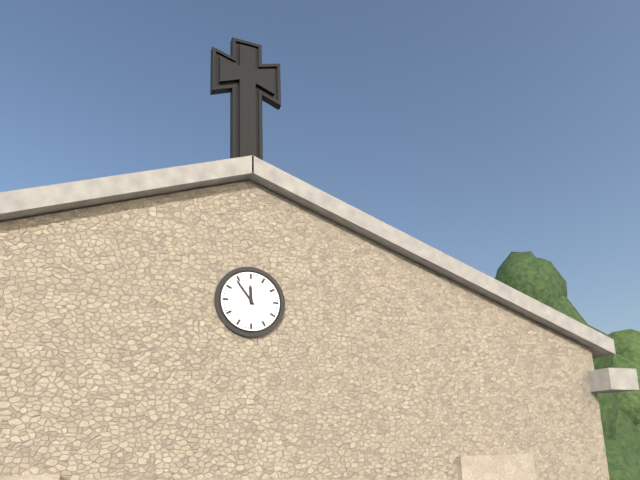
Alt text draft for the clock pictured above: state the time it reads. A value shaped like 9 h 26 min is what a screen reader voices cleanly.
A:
11 h 54 min
